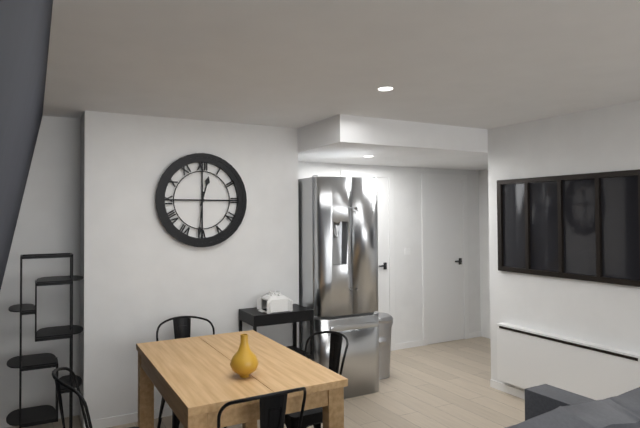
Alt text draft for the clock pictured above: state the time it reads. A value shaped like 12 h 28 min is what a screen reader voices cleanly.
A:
12 h 31 min
